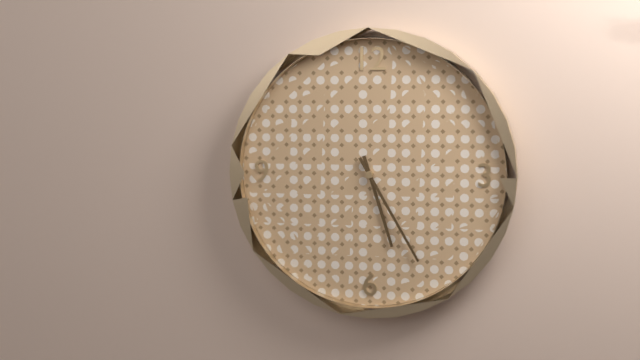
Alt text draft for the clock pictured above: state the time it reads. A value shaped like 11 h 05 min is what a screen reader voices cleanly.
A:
5 h 25 min
